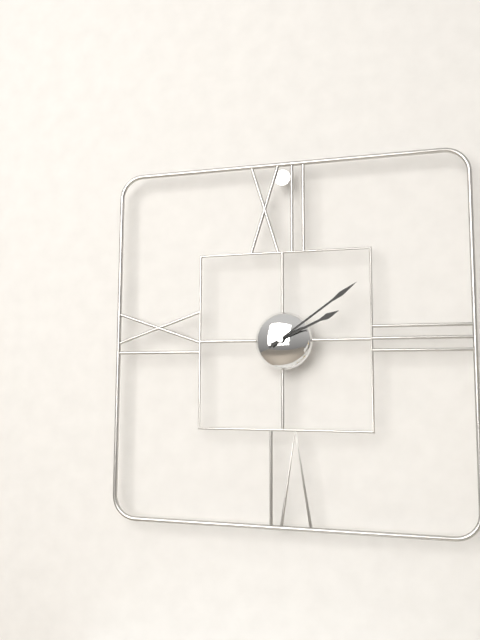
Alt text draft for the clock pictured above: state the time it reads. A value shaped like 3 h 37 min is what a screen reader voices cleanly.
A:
2 h 09 min
